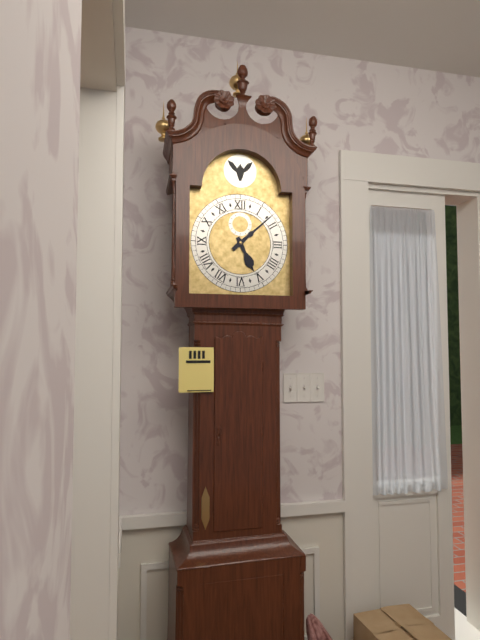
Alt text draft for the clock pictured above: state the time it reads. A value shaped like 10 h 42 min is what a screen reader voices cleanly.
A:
5 h 08 min
